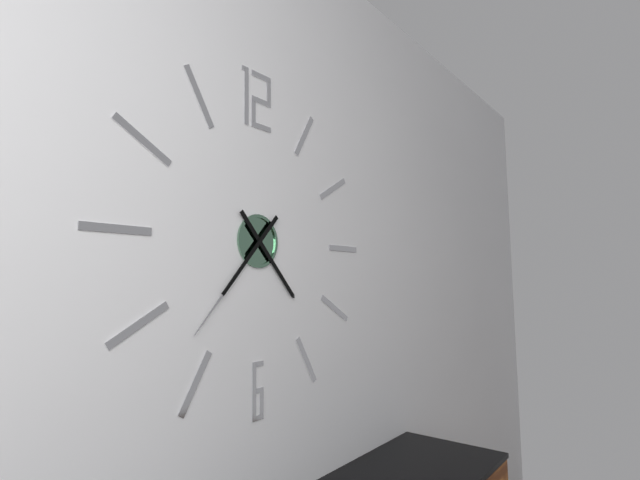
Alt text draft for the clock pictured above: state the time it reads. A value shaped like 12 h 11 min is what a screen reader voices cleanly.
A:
4 h 37 min
